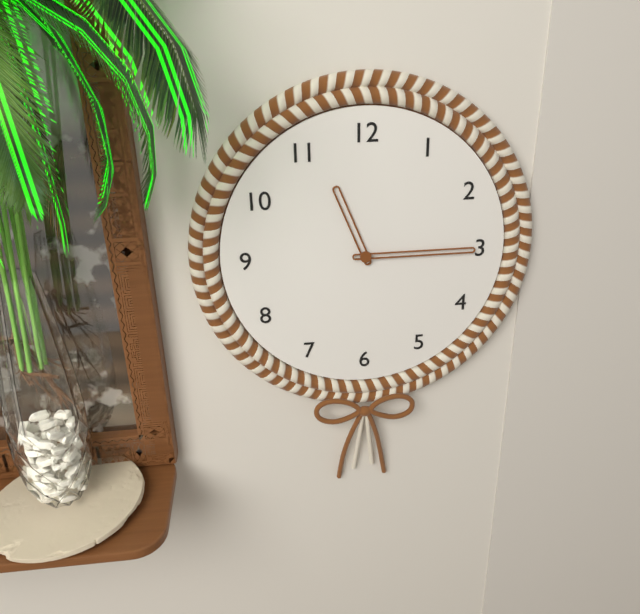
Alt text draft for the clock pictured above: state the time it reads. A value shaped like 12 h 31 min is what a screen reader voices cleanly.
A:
11 h 15 min
